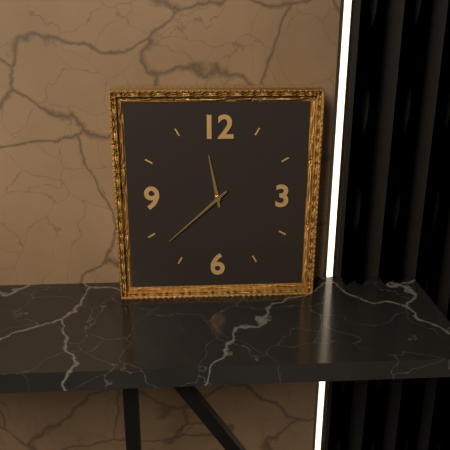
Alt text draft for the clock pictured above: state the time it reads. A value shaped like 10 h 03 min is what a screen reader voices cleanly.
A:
11 h 38 min
